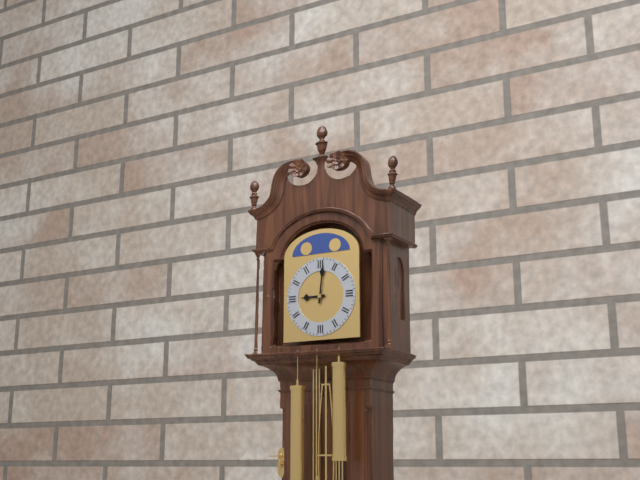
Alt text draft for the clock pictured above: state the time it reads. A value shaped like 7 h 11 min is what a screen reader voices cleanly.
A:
9 h 01 min
